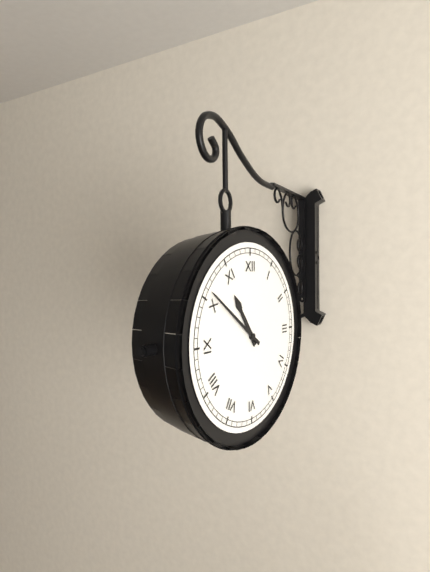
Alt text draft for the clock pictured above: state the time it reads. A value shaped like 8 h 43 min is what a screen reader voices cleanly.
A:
10 h 51 min
